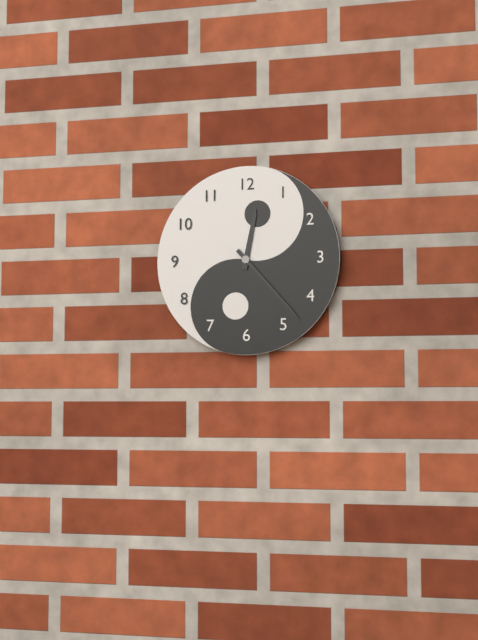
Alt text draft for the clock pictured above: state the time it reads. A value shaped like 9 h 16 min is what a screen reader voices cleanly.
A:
12 h 23 min
